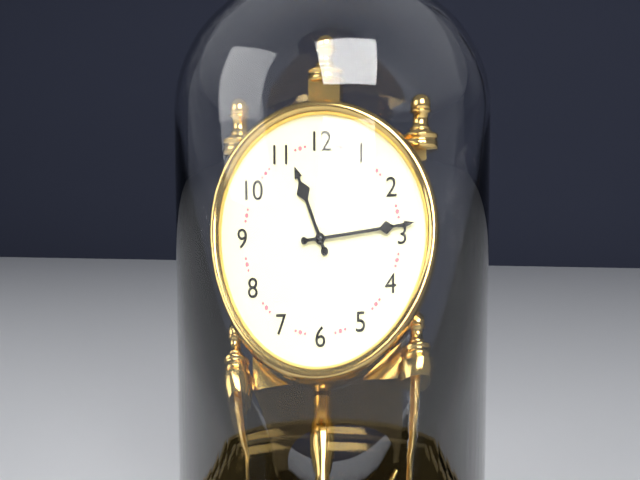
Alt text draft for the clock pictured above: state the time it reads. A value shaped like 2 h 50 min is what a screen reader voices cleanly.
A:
11 h 14 min
